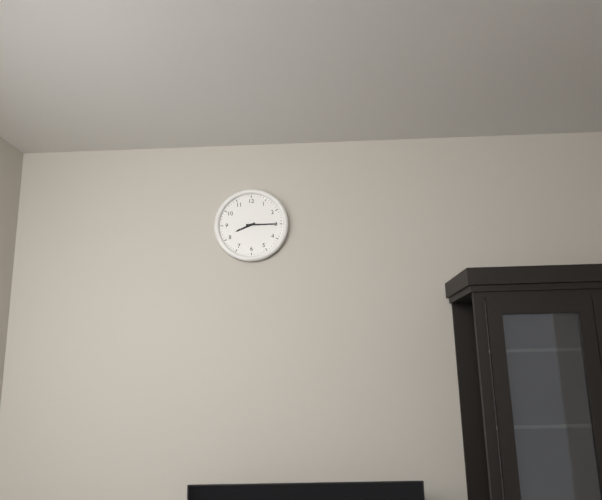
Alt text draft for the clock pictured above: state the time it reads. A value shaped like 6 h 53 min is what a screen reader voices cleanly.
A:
8 h 15 min
